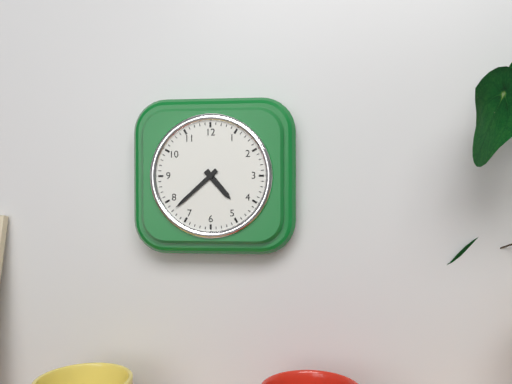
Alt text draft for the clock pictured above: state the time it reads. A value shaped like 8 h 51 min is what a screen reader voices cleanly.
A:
4 h 38 min
